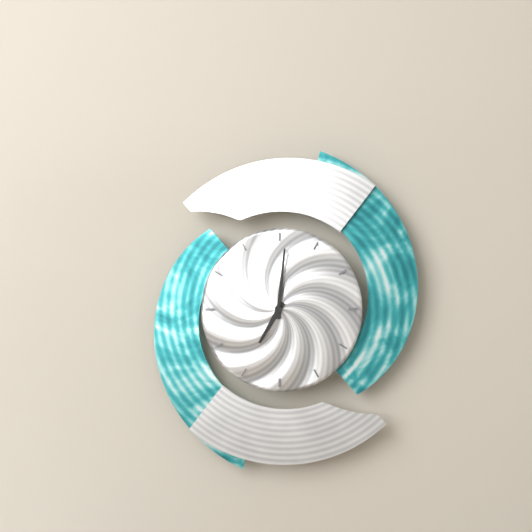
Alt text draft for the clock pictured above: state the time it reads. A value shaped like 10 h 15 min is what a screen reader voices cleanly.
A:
7 h 01 min
